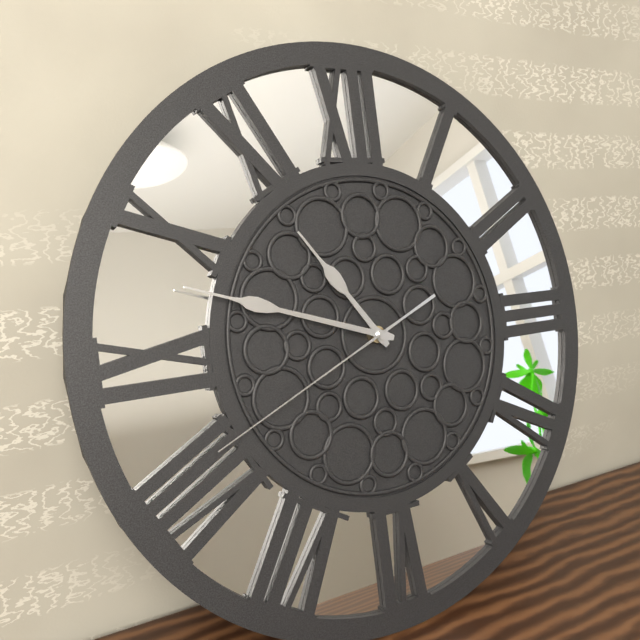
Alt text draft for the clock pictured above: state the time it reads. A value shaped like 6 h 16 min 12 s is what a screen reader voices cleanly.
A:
10 h 48 min 41 s
